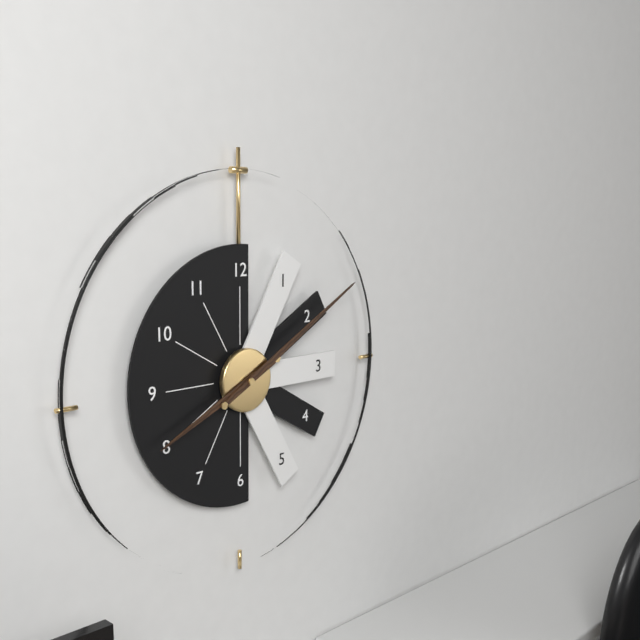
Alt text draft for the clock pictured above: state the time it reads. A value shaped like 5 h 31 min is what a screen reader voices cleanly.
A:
8 h 10 min
